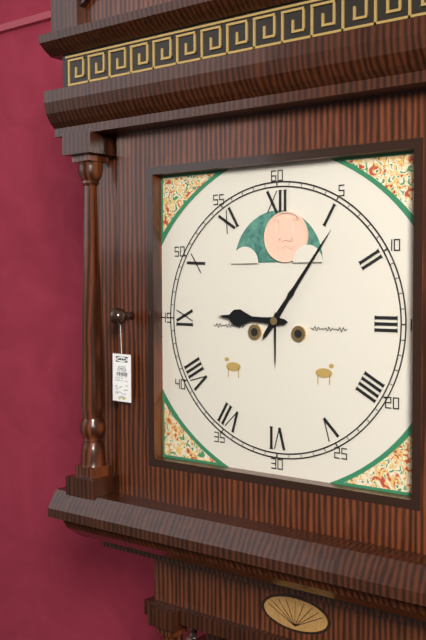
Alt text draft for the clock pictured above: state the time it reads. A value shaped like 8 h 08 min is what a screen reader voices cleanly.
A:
9 h 06 min
